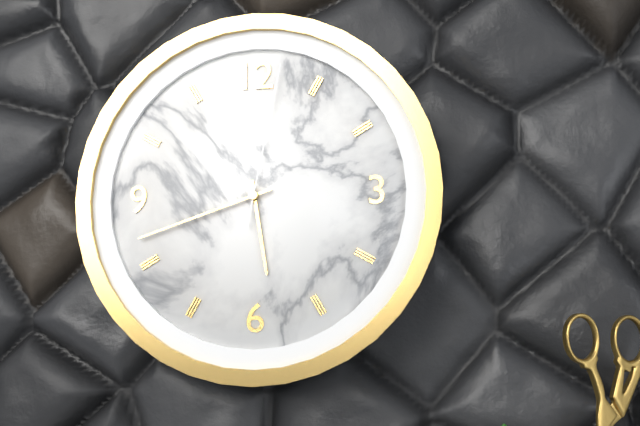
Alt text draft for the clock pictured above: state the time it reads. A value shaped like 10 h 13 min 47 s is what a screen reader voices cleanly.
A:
5 h 42 min 02 s
